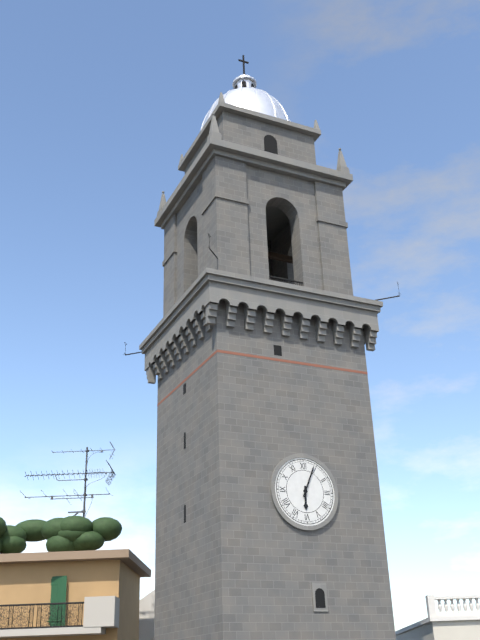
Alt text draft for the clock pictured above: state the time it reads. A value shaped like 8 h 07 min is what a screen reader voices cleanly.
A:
6 h 04 min
